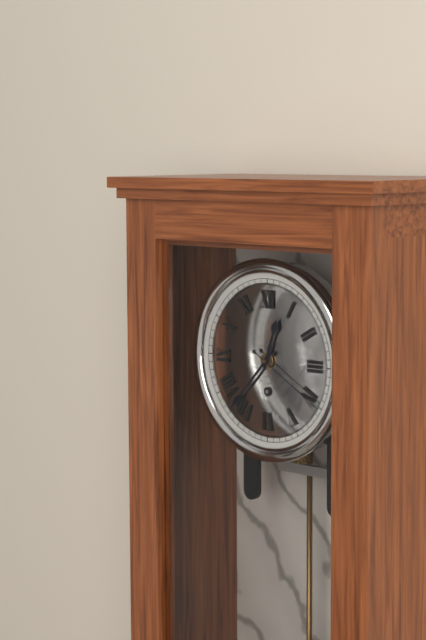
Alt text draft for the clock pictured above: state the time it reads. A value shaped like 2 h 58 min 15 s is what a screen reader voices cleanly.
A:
12 h 37 min 20 s
